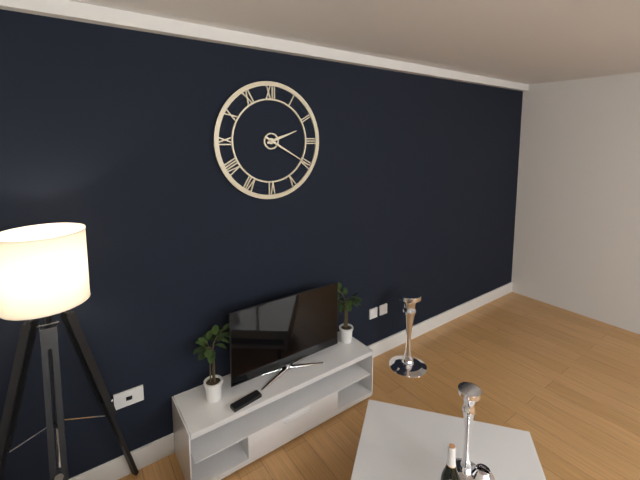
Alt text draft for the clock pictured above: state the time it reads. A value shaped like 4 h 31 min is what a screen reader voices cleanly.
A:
2 h 20 min
